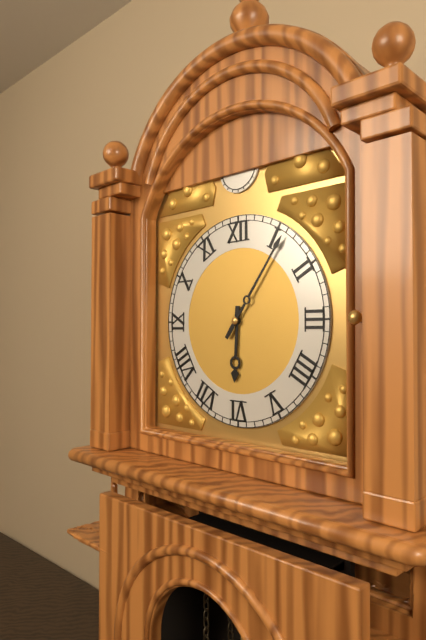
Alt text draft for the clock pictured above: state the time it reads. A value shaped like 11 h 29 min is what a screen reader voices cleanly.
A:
6 h 06 min
